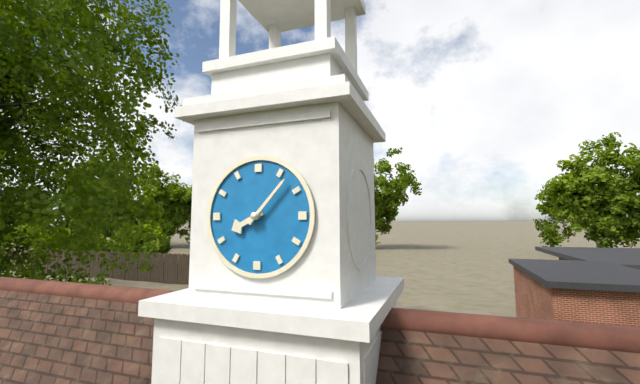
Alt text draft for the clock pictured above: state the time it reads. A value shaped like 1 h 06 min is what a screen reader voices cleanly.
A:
8 h 07 min
